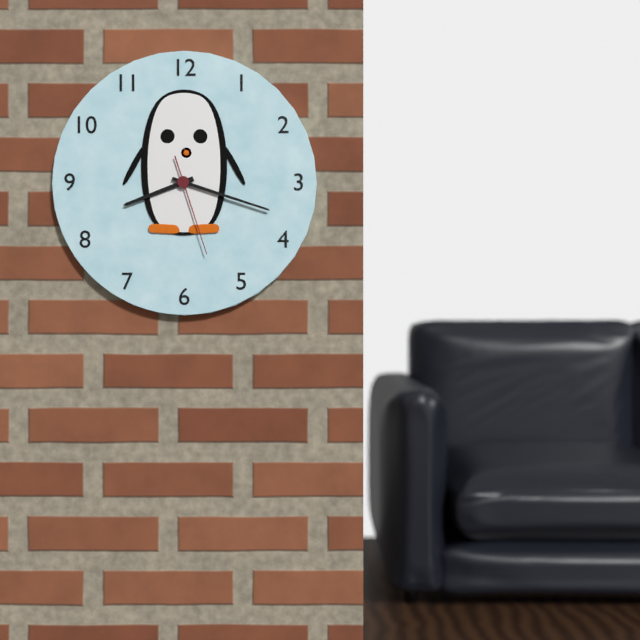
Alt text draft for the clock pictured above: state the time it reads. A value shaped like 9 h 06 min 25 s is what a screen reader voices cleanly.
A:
8 h 18 min 27 s
